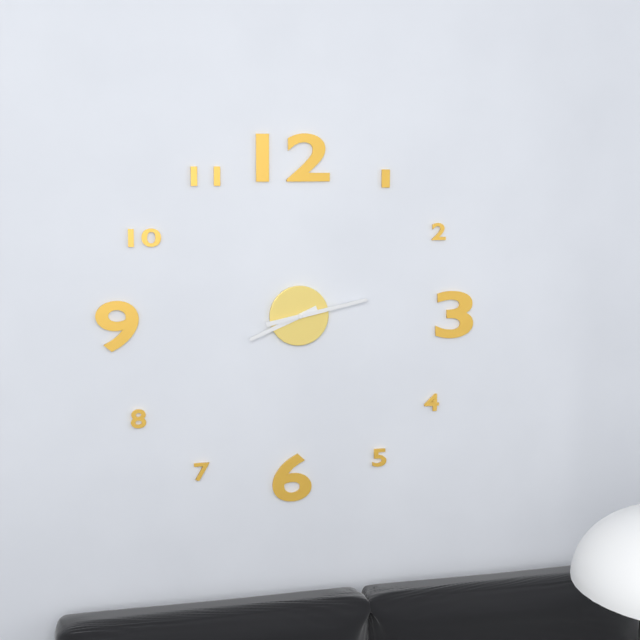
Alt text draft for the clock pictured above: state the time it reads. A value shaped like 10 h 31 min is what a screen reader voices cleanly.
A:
8 h 13 min
